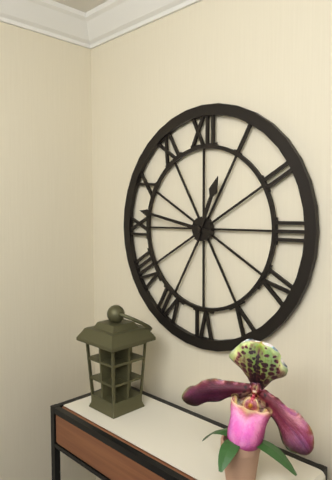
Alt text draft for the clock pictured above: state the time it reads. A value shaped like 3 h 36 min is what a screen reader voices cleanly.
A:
12 h 47 min
